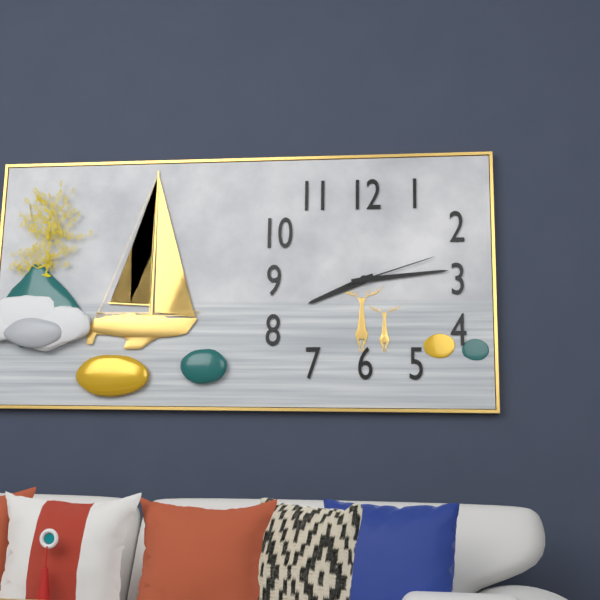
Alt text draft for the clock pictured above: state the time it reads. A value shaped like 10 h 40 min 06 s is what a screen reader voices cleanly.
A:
8 h 14 min 12 s
